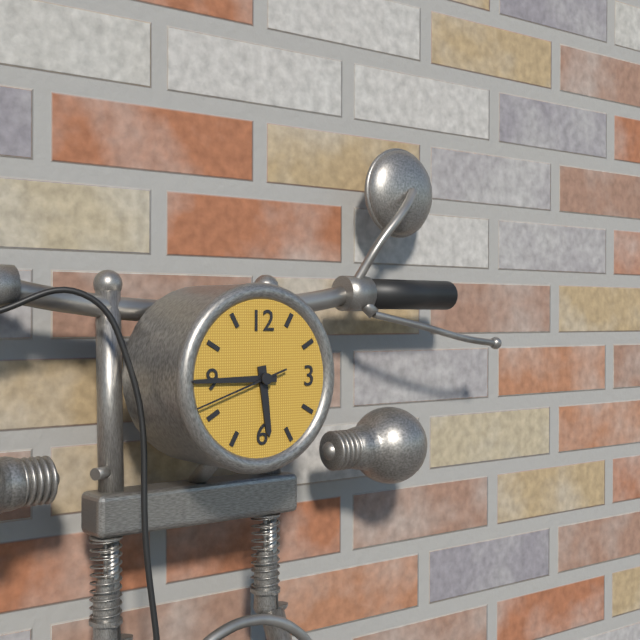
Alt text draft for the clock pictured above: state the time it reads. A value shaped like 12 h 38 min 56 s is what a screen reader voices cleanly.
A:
5 h 45 min 42 s
